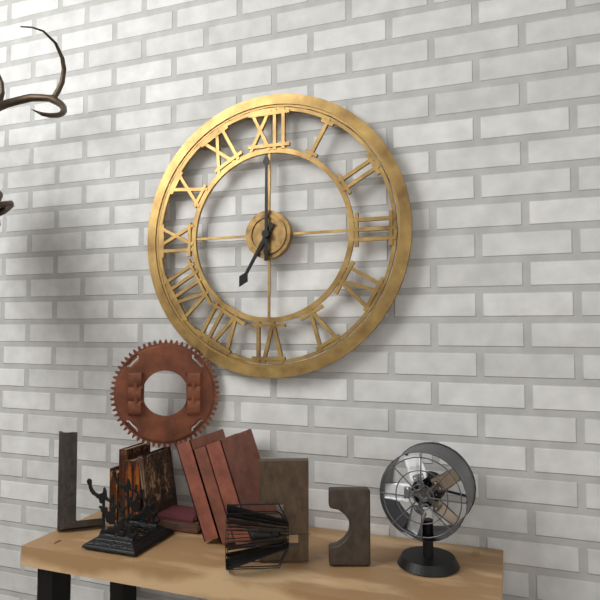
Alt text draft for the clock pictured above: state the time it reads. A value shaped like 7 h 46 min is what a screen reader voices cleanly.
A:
7 h 00 min
